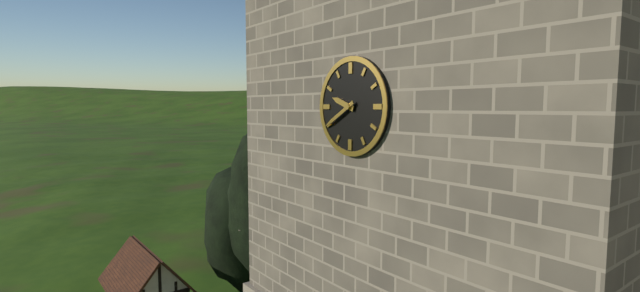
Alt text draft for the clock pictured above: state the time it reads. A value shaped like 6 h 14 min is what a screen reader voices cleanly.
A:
9 h 40 min
